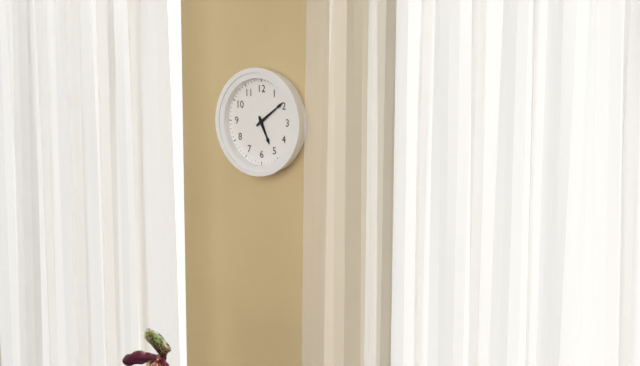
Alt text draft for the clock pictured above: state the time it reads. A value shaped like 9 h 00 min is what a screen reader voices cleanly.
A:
5 h 09 min
